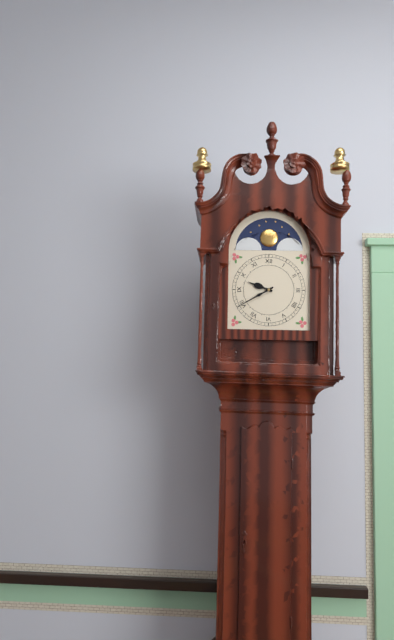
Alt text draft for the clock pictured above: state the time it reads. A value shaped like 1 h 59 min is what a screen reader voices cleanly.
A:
9 h 40 min
